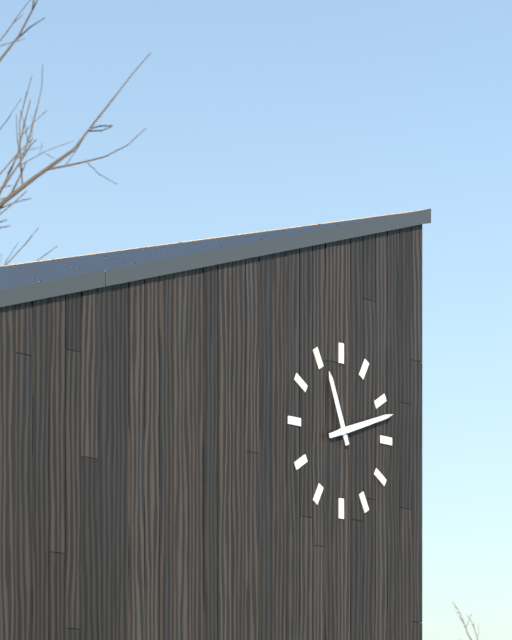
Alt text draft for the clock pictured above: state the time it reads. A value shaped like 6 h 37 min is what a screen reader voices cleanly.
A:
11 h 12 min
